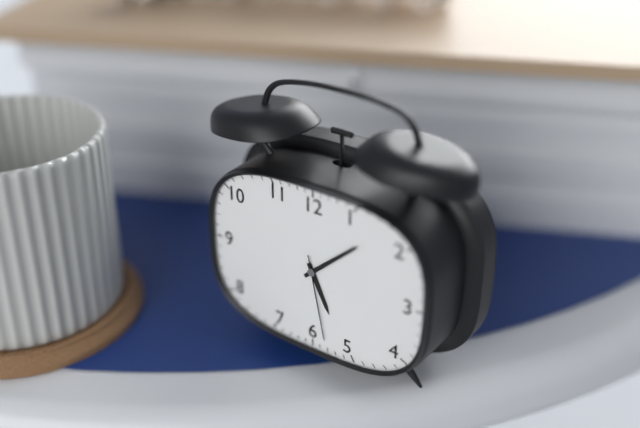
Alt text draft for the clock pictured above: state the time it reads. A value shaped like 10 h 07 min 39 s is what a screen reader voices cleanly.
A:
5 h 08 min 28 s
